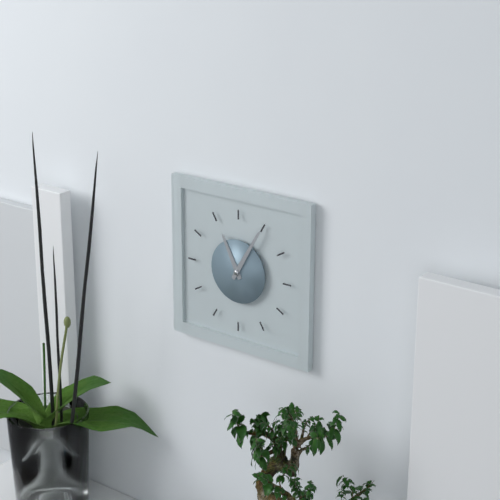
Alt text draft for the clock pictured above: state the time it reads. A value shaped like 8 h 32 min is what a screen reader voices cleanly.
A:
11 h 05 min
